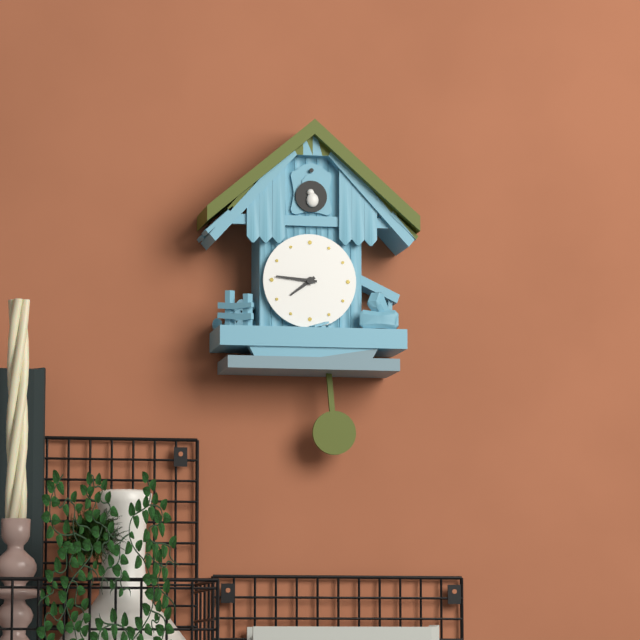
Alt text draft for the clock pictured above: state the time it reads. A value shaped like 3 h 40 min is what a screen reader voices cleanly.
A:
7 h 46 min
